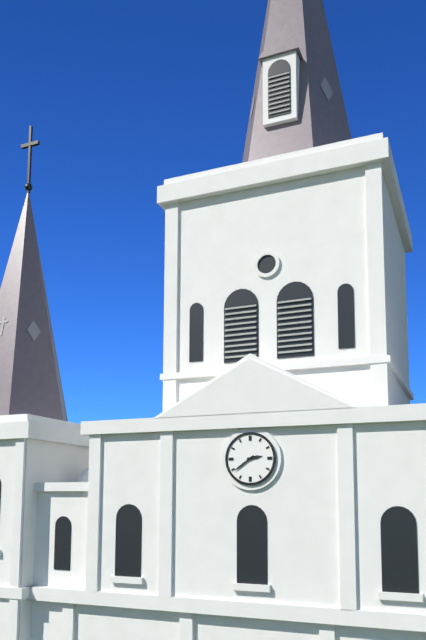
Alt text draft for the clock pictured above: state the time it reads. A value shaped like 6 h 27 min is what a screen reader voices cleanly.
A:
2 h 39 min
